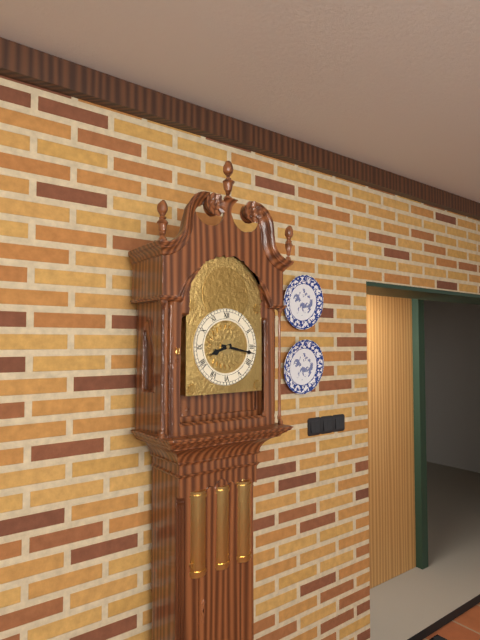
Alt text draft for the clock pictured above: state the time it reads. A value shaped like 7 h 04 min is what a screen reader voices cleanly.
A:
8 h 17 min
